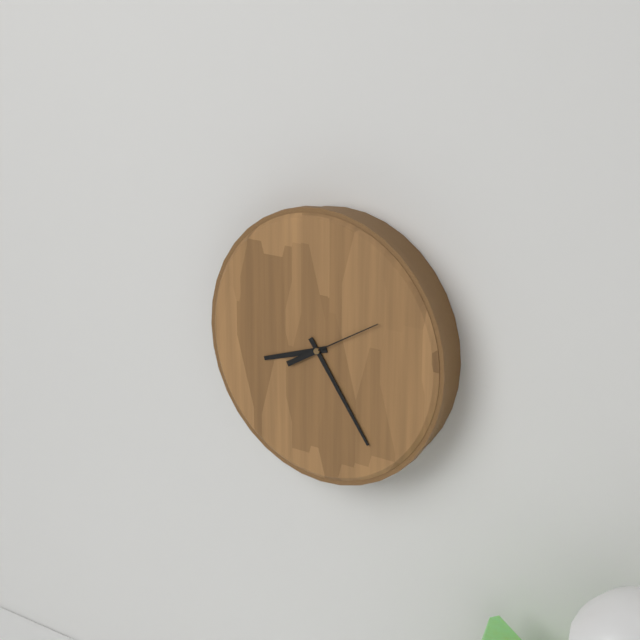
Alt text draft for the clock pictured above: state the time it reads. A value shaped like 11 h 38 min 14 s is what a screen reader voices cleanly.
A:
8 h 24 min 10 s
